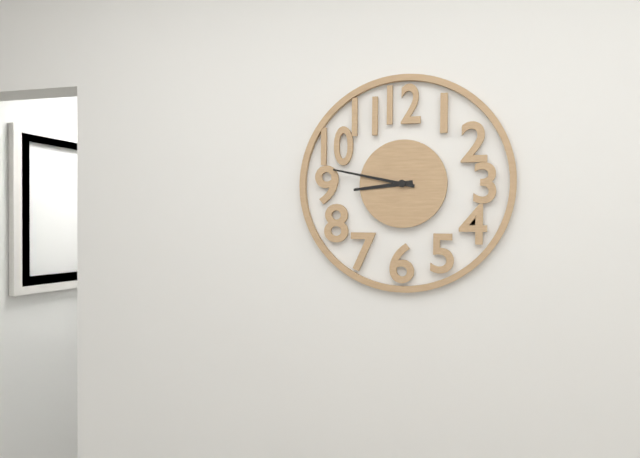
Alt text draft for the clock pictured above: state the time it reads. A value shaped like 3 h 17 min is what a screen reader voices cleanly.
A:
8 h 47 min
